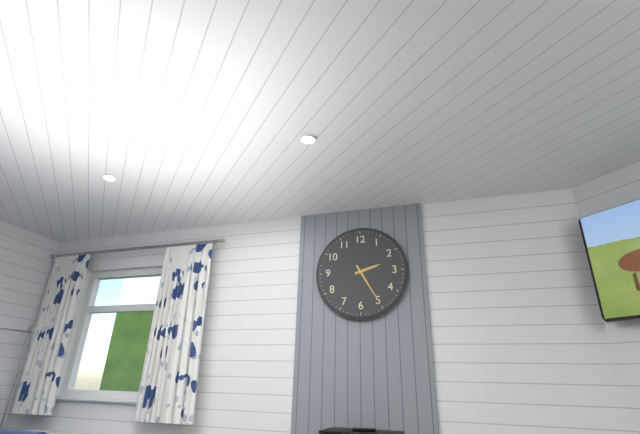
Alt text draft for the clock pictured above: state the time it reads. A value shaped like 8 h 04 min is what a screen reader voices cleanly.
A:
2 h 25 min
